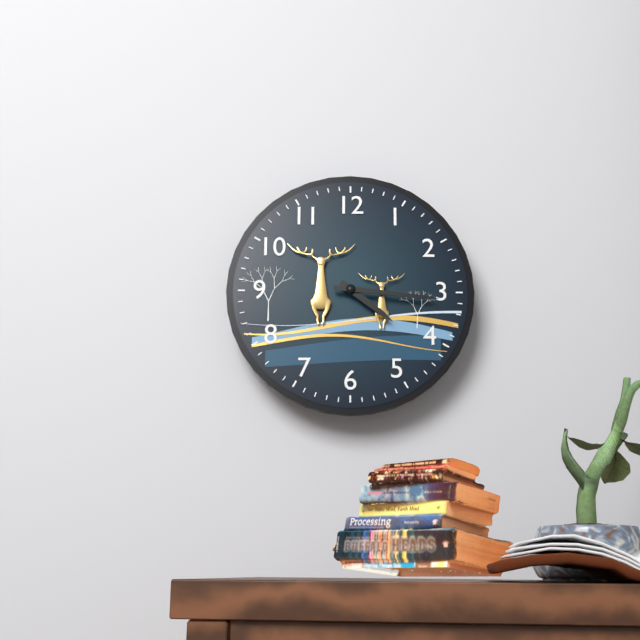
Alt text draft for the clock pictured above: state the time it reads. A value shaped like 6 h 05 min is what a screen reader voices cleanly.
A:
4 h 16 min
